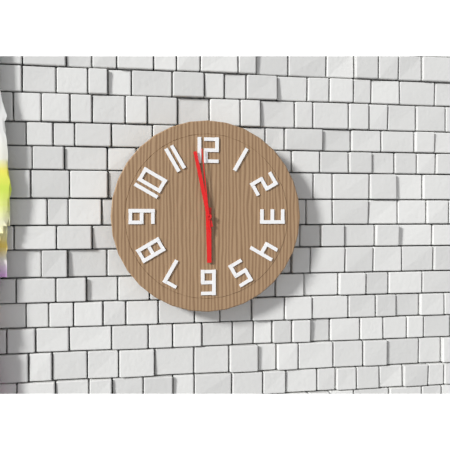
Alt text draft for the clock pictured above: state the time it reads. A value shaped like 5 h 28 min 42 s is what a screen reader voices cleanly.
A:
5 h 58 min 59 s
